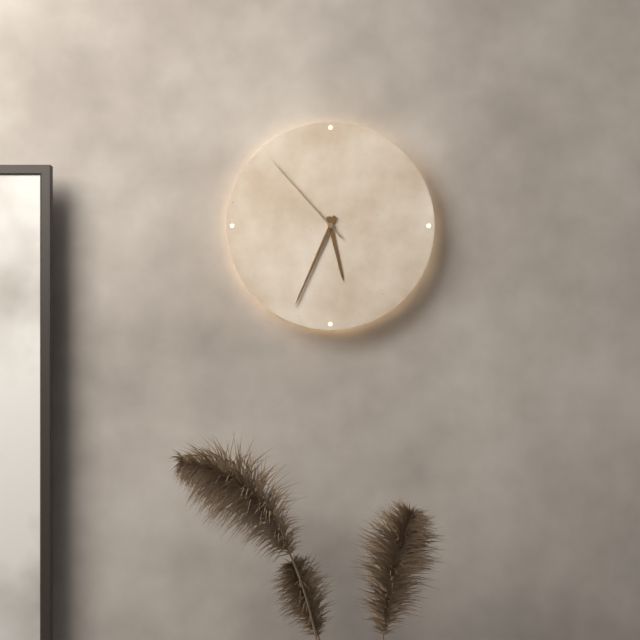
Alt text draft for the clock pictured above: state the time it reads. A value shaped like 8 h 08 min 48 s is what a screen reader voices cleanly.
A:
5 h 34 min 53 s
